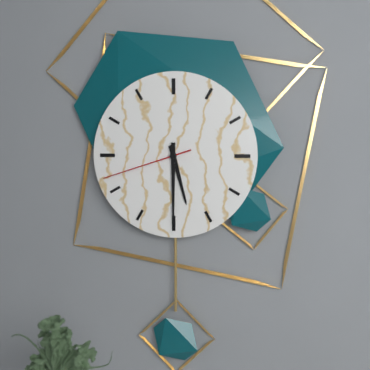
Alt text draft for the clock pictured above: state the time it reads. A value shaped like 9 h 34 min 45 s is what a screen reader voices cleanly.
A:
5 h 30 min 42 s
